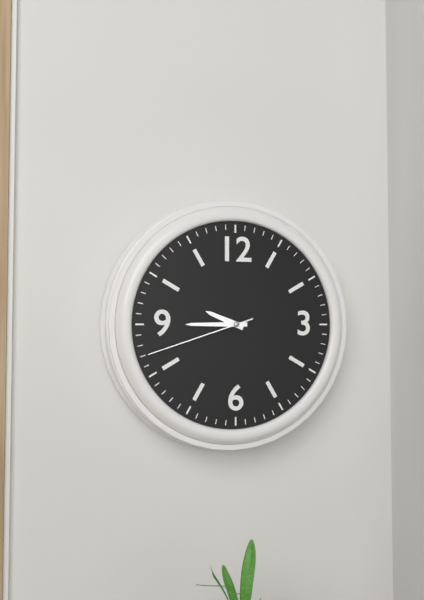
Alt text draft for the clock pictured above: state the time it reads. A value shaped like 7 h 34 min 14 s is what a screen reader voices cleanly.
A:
9 h 45 min 42 s
